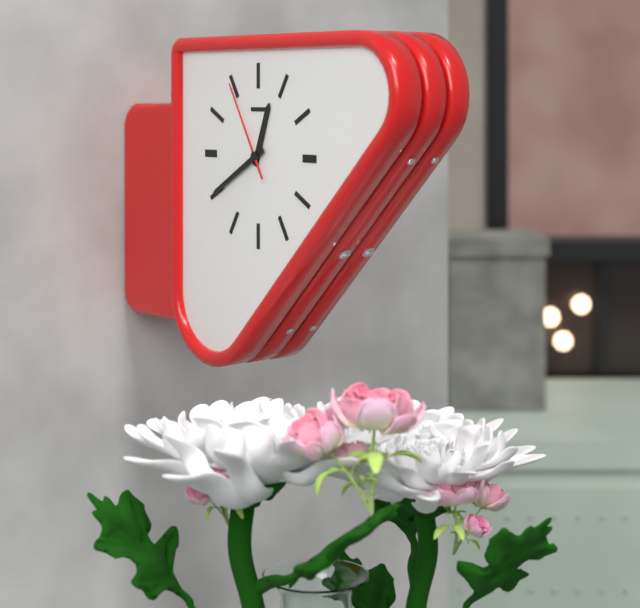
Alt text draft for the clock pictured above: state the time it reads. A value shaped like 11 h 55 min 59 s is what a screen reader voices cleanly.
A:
12 h 40 min 55 s
